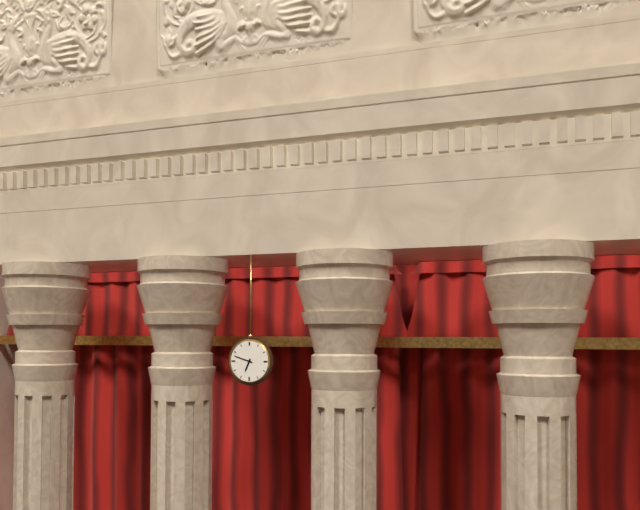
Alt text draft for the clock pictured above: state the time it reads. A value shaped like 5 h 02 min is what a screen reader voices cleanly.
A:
6 h 48 min
